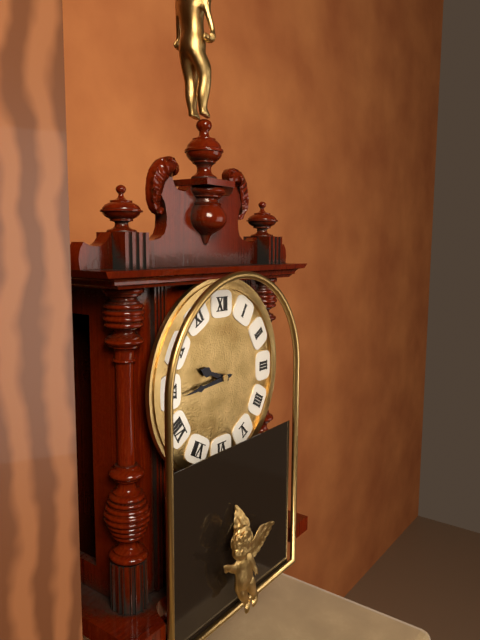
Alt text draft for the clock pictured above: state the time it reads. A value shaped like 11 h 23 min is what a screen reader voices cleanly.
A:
9 h 44 min
